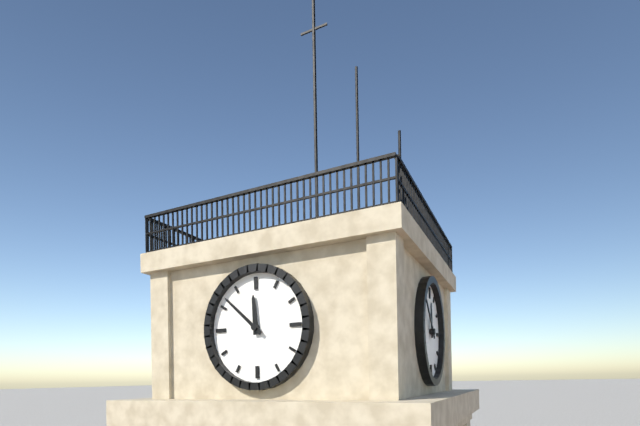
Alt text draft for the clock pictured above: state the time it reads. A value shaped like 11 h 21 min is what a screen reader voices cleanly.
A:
11 h 52 min
